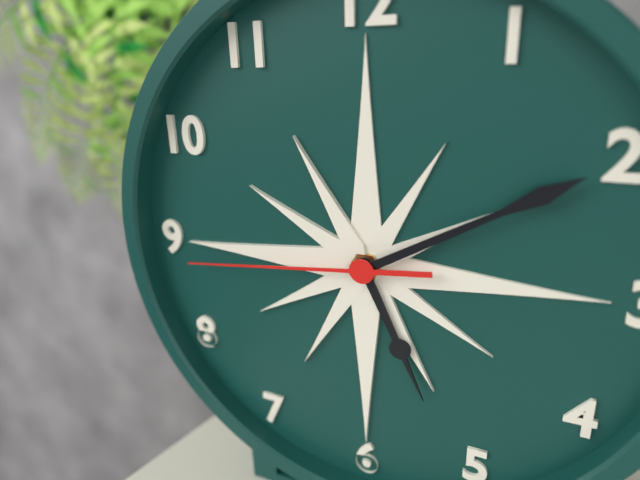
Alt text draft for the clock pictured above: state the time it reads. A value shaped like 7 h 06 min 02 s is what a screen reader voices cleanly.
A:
5 h 10 min 44 s
